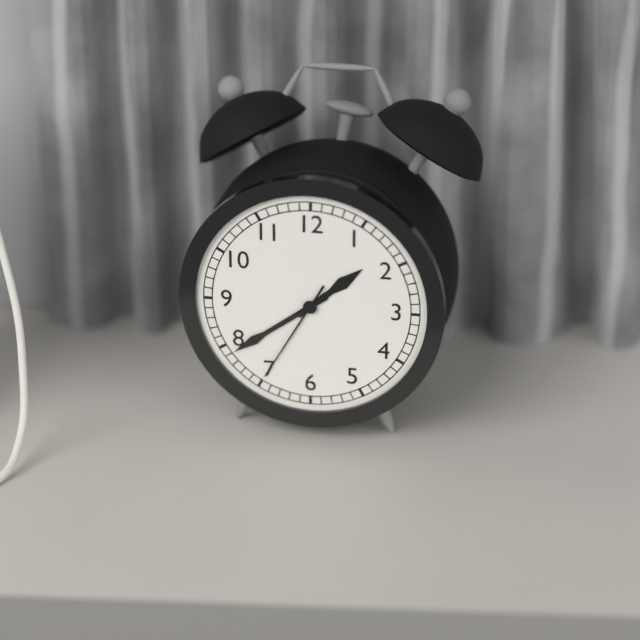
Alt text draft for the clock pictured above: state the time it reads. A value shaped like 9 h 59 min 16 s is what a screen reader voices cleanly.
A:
1 h 39 min 35 s
